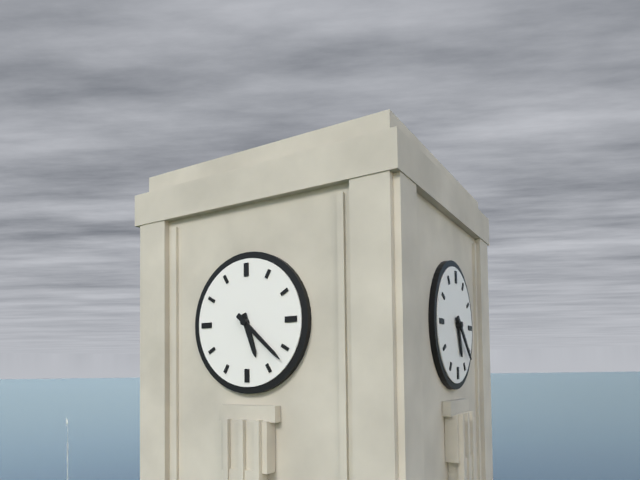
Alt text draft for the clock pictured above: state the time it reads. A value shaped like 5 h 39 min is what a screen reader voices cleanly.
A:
5 h 22 min
